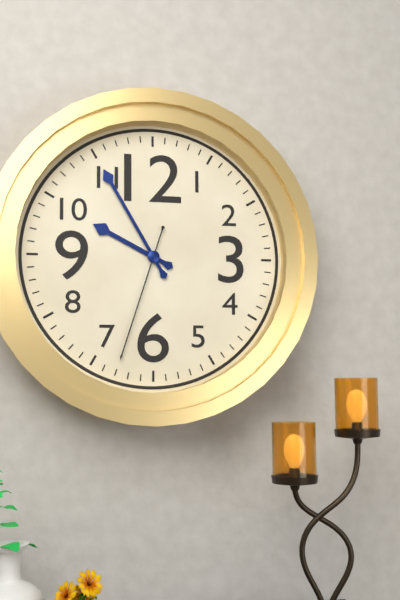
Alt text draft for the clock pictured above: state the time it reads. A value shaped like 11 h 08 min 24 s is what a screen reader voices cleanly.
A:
9 h 55 min 33 s
